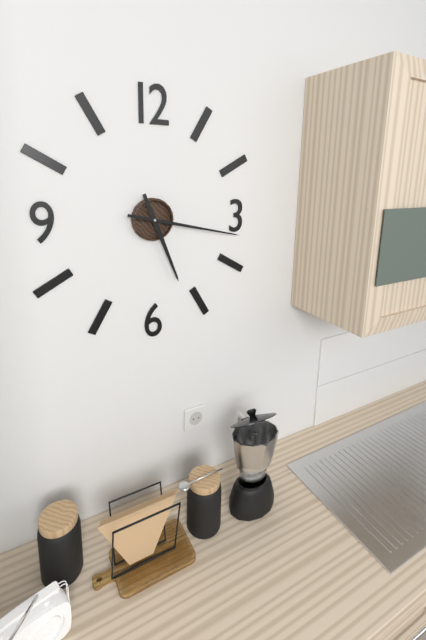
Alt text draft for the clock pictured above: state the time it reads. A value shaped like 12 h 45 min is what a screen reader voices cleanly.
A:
5 h 17 min
